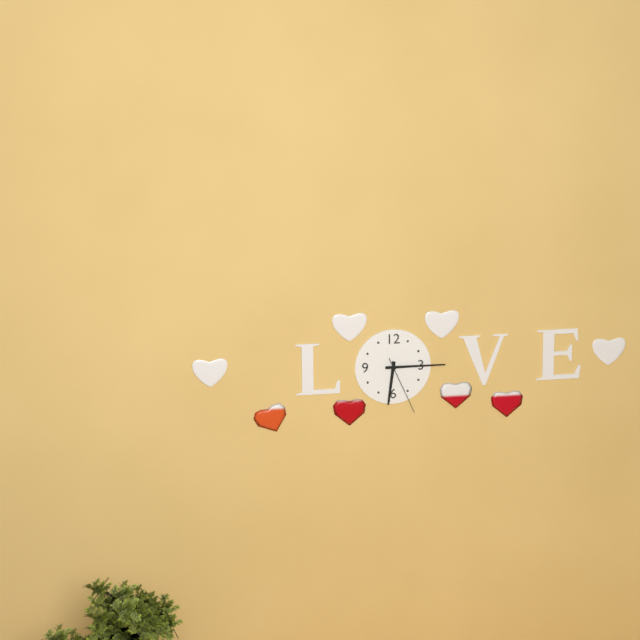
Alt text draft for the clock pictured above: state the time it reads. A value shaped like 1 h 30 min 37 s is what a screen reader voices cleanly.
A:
6 h 15 min 26 s
